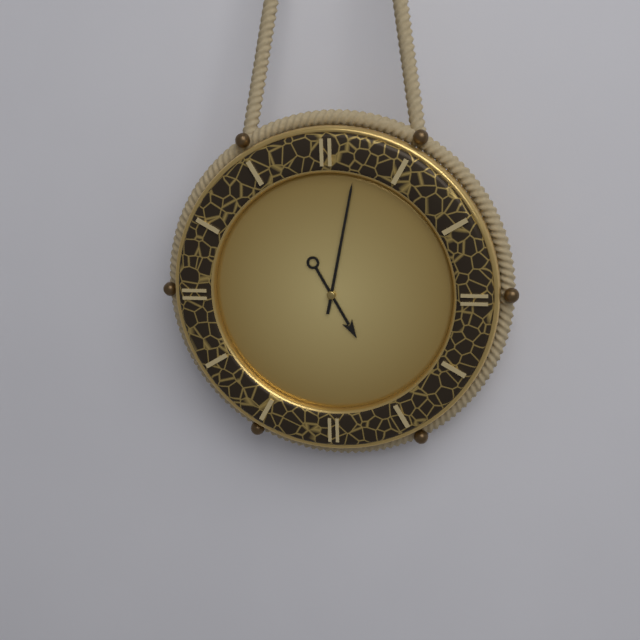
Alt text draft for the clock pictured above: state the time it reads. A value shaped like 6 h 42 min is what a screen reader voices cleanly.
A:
5 h 02 min
